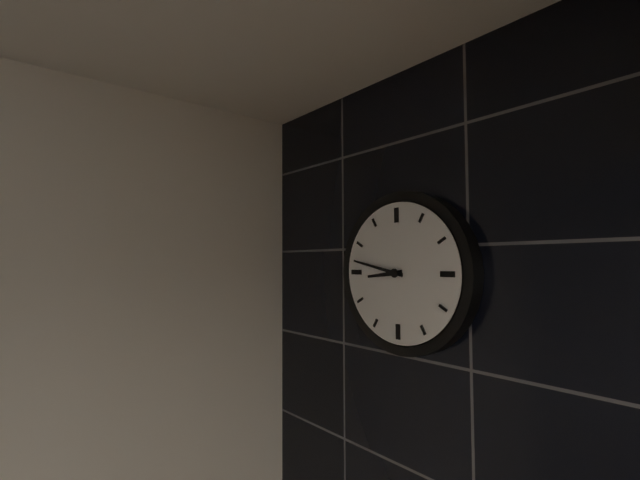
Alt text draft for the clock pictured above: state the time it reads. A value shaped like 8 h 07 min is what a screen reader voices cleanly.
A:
8 h 47 min
